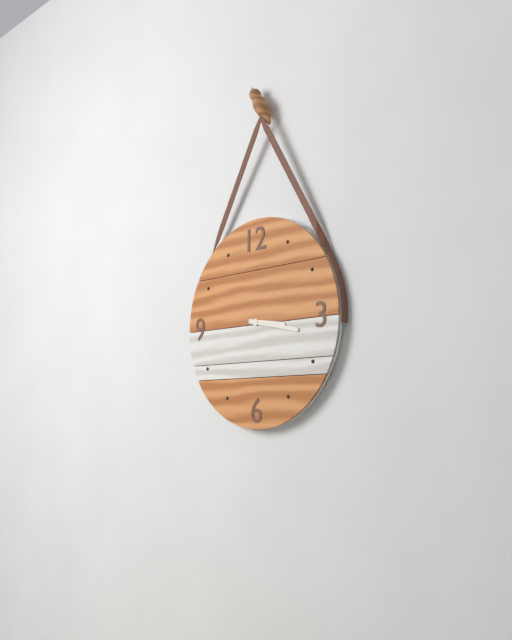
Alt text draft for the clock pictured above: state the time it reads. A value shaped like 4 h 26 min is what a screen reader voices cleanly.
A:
3 h 17 min
